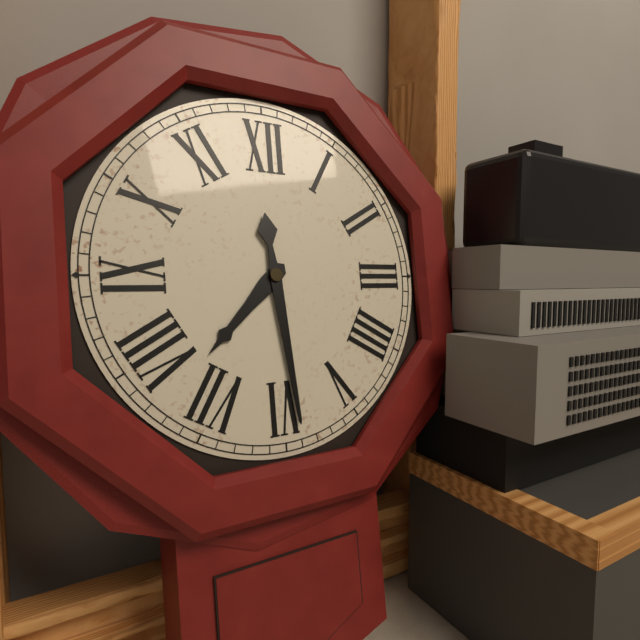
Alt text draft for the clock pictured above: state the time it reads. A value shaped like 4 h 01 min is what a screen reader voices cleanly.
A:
7 h 29 min
